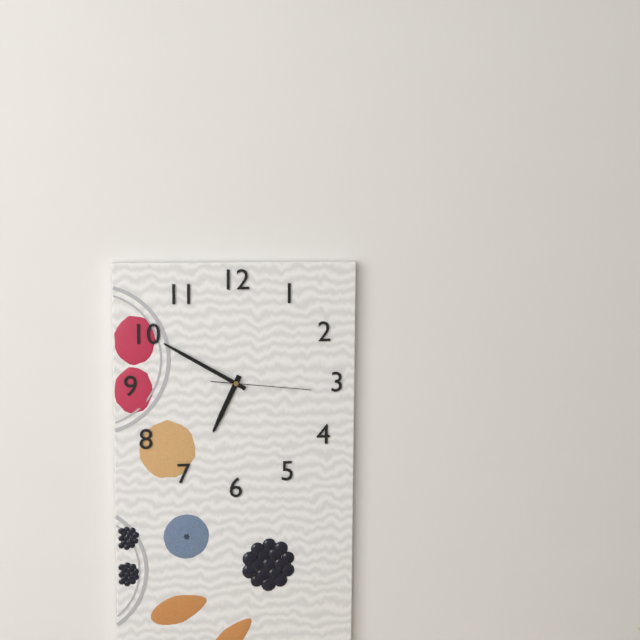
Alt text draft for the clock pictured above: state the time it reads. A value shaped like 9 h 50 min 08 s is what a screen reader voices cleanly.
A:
6 h 50 min 16 s
